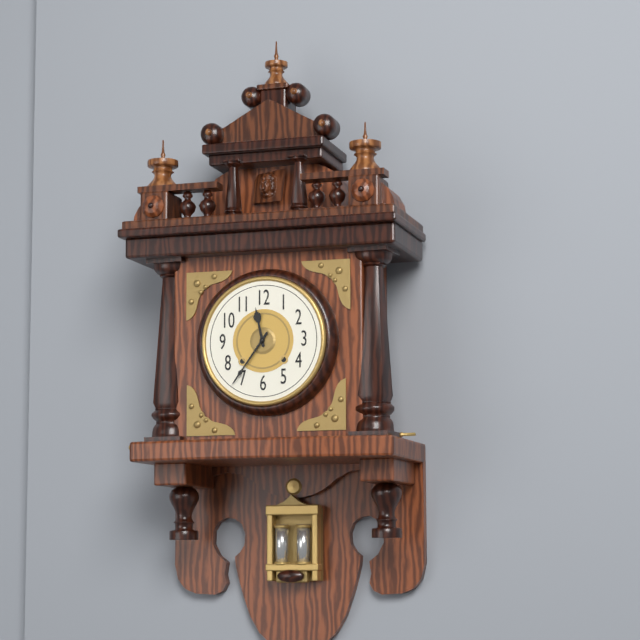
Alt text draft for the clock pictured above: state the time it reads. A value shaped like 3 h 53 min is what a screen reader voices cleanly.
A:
11 h 36 min
